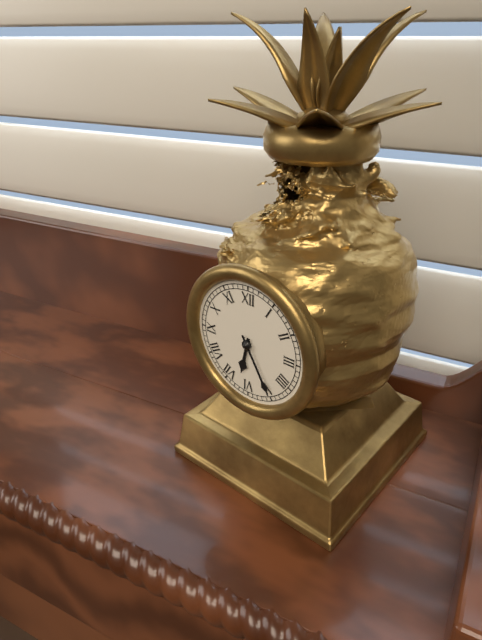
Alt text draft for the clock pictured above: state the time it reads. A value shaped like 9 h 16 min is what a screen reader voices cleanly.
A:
6 h 25 min
